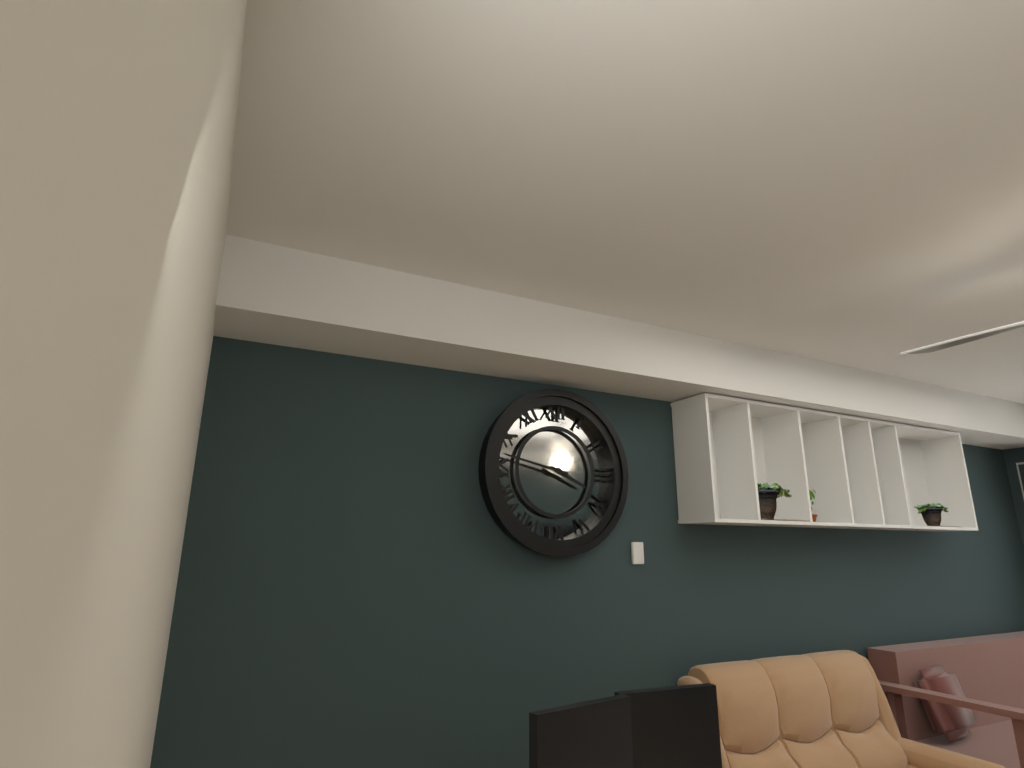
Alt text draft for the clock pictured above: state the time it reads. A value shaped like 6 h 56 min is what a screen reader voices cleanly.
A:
3 h 47 min
